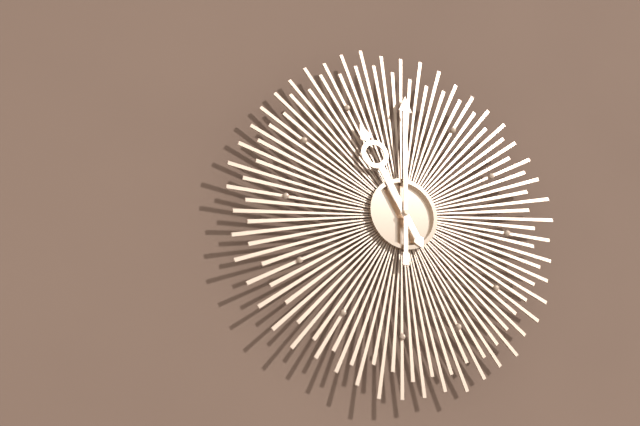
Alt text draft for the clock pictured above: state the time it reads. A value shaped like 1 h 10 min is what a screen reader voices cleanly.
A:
11 h 00 min
